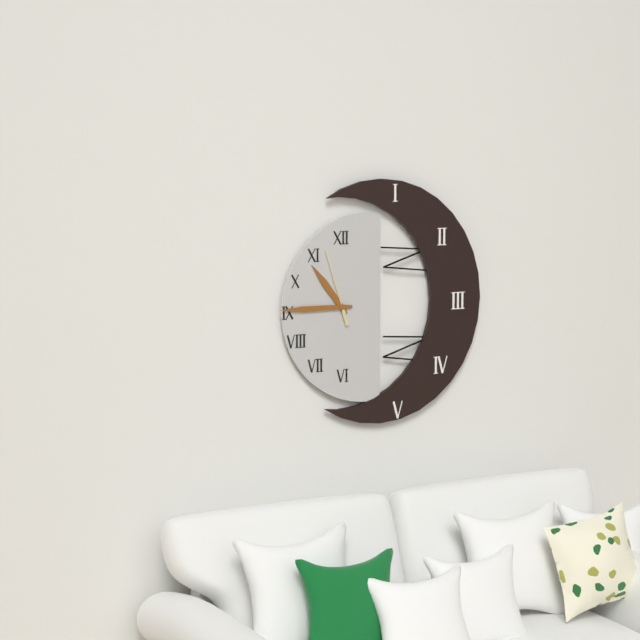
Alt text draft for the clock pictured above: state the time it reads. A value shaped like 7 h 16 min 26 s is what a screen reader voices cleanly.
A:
10 h 45 min 57 s
